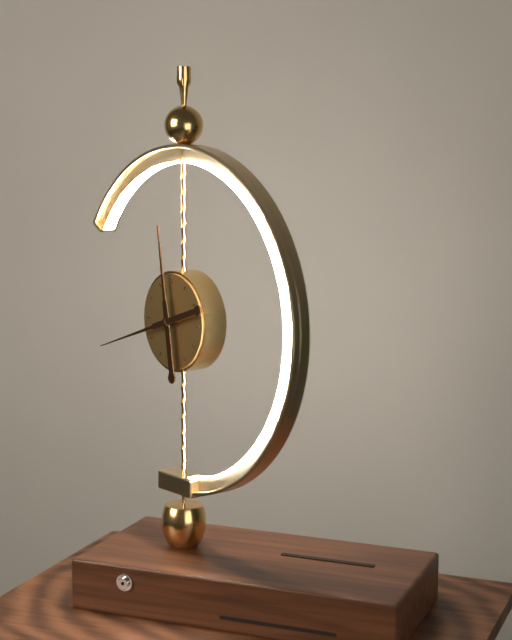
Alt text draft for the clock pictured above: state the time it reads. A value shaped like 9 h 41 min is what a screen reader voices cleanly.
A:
11 h 42 min
